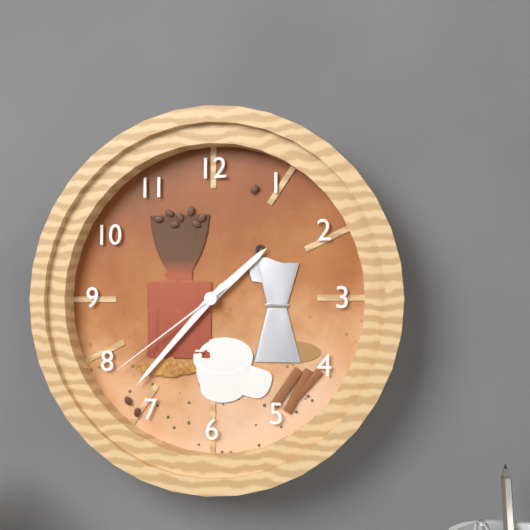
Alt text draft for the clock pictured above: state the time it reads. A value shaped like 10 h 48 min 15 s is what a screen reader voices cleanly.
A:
1 h 37 min 39 s
